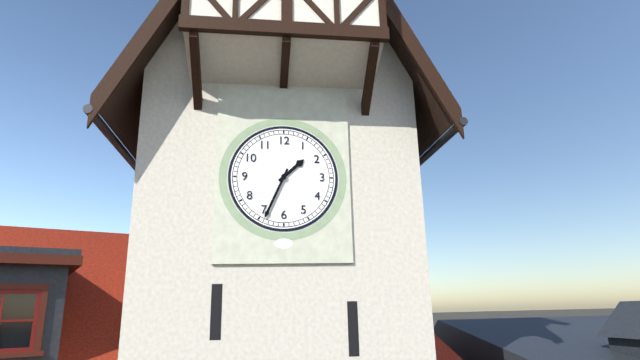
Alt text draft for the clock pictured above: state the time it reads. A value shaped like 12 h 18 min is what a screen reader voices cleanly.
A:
1 h 34 min
